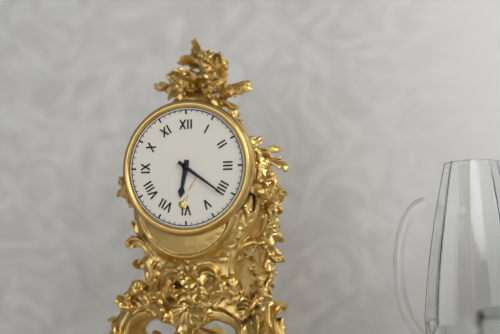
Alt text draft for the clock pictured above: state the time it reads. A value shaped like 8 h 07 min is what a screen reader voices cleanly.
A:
6 h 21 min
